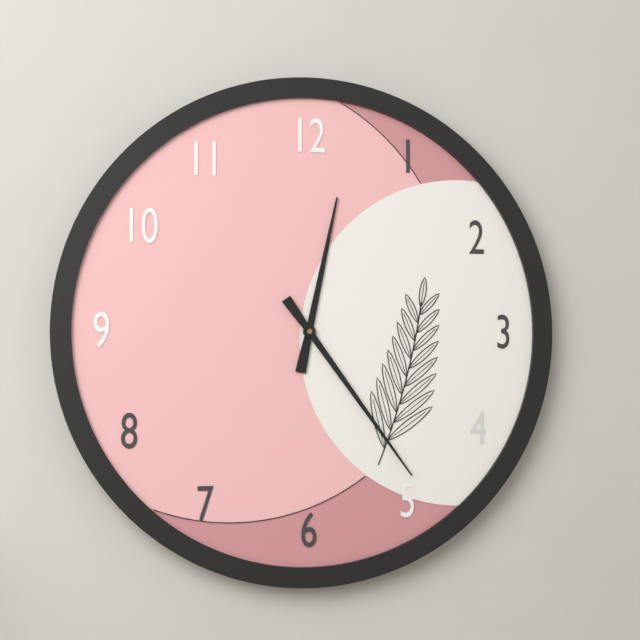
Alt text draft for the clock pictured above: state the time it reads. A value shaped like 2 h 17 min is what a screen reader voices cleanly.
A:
12 h 24 min
